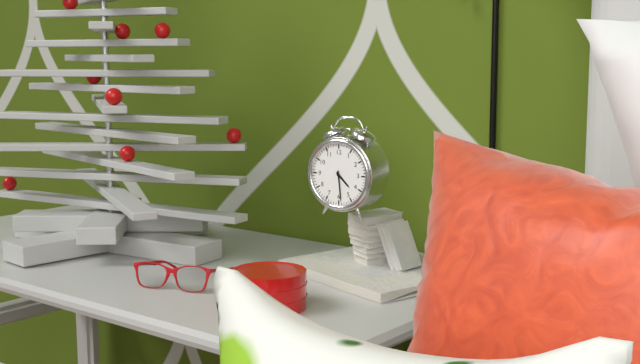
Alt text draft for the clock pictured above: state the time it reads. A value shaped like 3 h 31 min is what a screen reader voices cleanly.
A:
4 h 29 min
